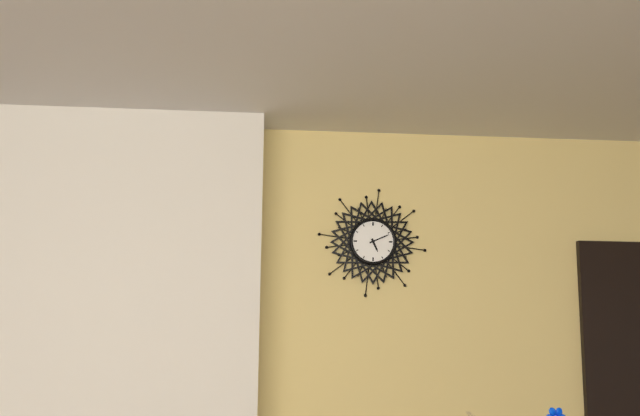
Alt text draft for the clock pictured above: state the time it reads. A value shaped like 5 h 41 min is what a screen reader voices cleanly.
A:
5 h 11 min
